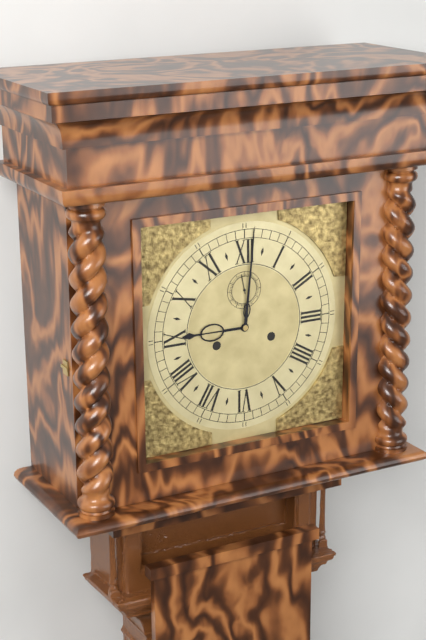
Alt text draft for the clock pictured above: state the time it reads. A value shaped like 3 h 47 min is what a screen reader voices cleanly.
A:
9 h 01 min
